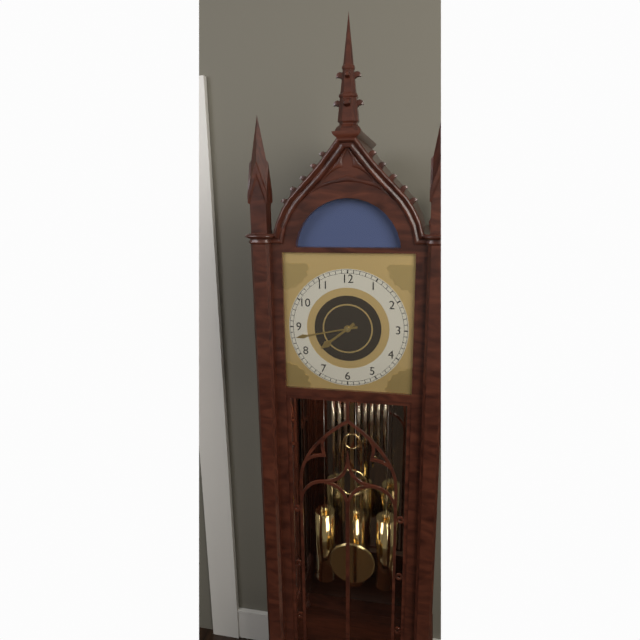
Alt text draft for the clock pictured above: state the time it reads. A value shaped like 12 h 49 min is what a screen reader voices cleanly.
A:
7 h 43 min
